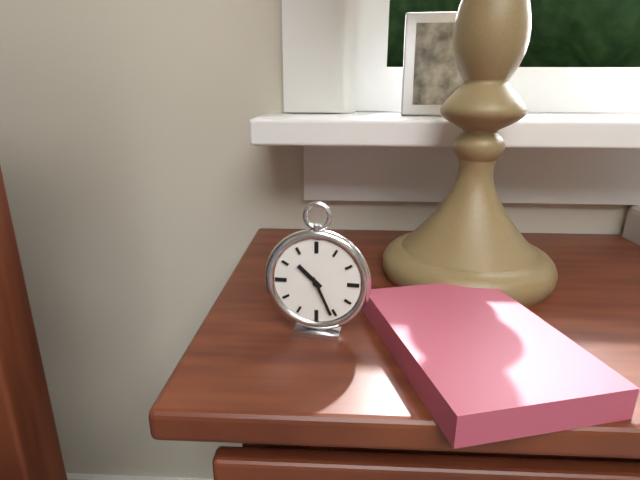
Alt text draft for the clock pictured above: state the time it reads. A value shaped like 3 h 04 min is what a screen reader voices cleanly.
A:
10 h 26 min
